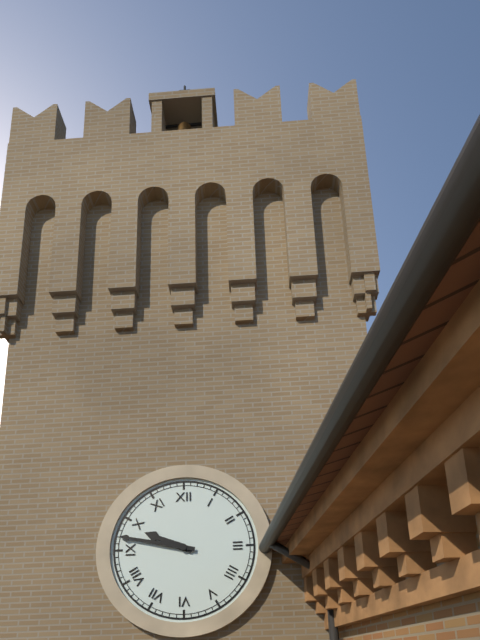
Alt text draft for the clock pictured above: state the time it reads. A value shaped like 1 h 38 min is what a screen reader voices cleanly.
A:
9 h 47 min
